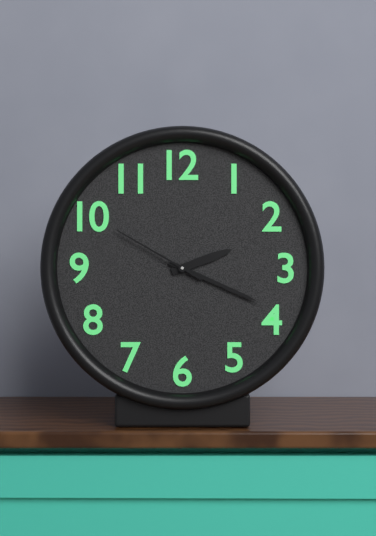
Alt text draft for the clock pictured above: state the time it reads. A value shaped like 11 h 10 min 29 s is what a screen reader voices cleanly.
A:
2 h 19 min 50 s
